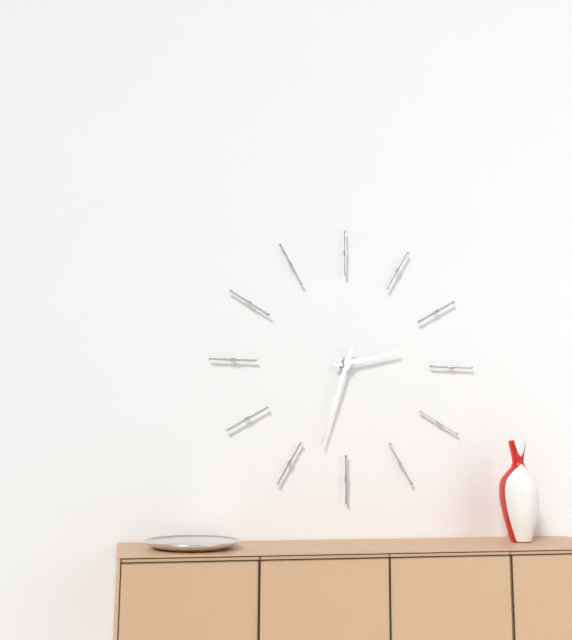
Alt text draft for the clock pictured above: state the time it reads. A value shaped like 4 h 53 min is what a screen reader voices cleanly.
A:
2 h 33 min
